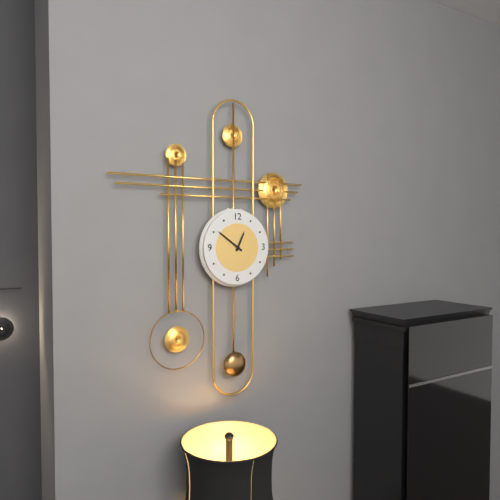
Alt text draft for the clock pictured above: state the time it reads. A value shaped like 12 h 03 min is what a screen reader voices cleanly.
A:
12 h 51 min
